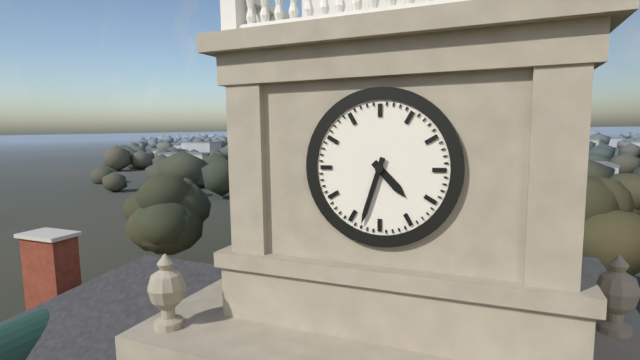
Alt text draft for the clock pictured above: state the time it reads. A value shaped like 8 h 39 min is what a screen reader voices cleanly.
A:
4 h 33 min
